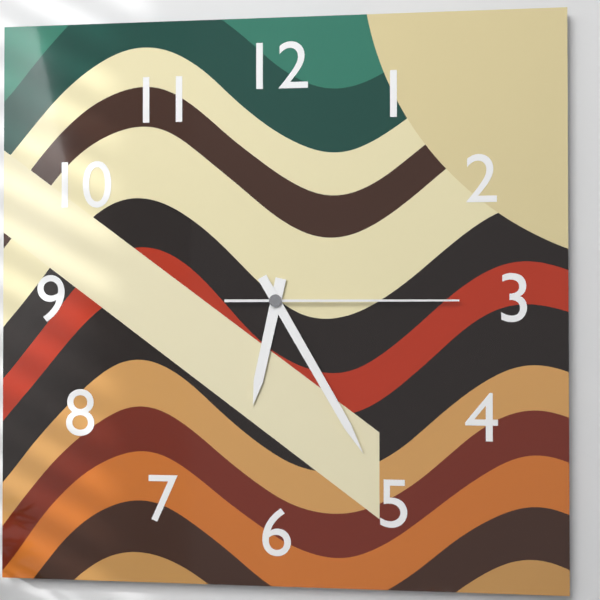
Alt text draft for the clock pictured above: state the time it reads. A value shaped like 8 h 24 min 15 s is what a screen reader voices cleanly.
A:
6 h 25 min 15 s
